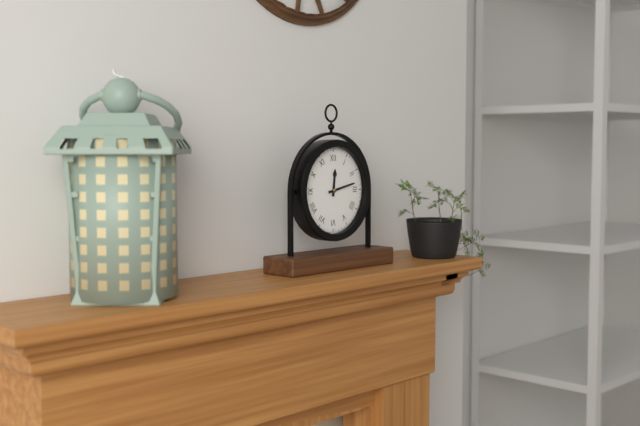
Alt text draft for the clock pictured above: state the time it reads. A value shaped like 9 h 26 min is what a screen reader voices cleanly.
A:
12 h 13 min
